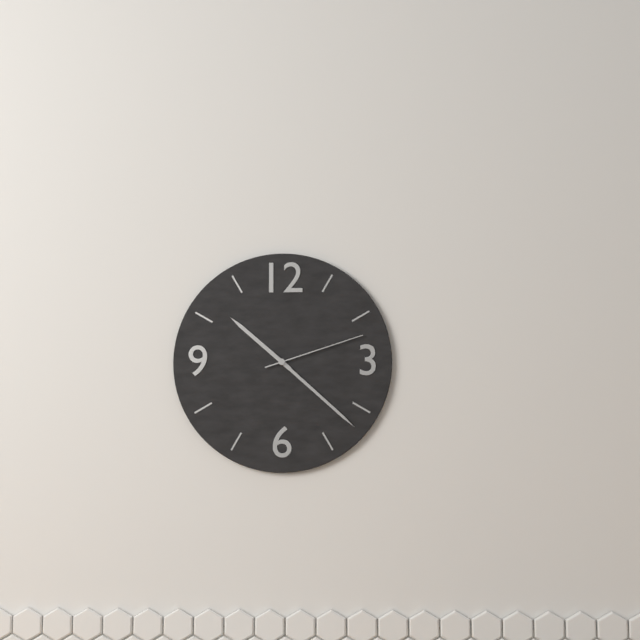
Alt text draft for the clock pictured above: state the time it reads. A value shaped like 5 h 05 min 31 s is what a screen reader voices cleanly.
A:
10 h 22 min 12 s
